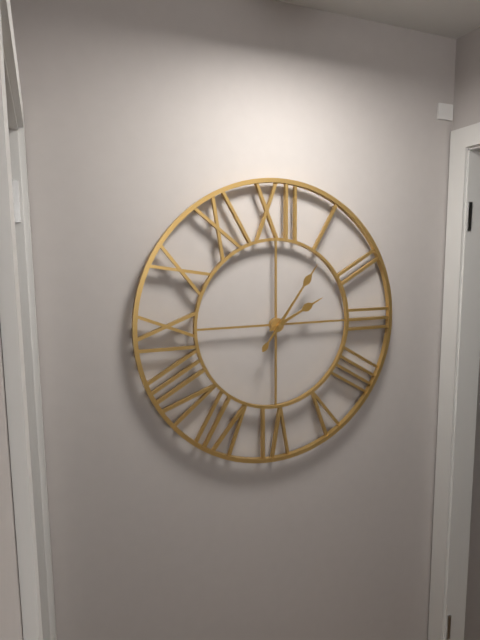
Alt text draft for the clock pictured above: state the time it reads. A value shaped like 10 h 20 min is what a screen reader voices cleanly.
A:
2 h 06 min
